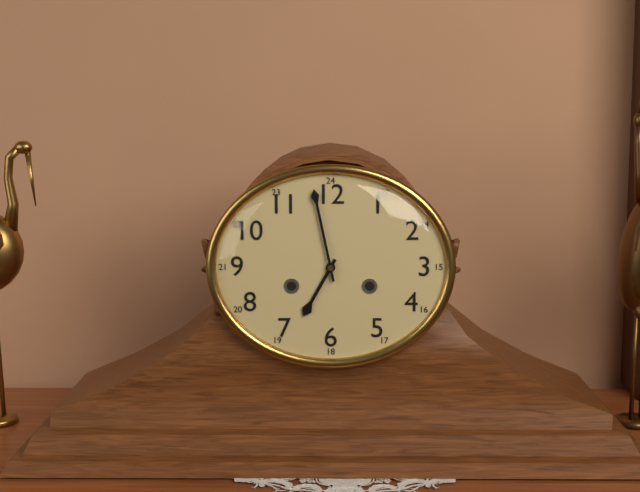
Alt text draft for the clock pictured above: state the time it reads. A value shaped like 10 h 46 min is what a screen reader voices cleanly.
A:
6 h 58 min
